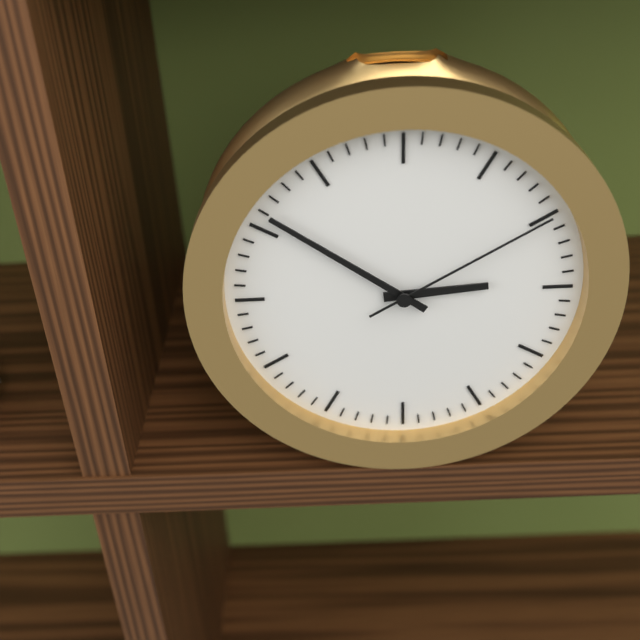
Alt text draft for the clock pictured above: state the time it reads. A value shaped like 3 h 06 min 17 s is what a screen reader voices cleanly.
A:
2 h 51 min 10 s
